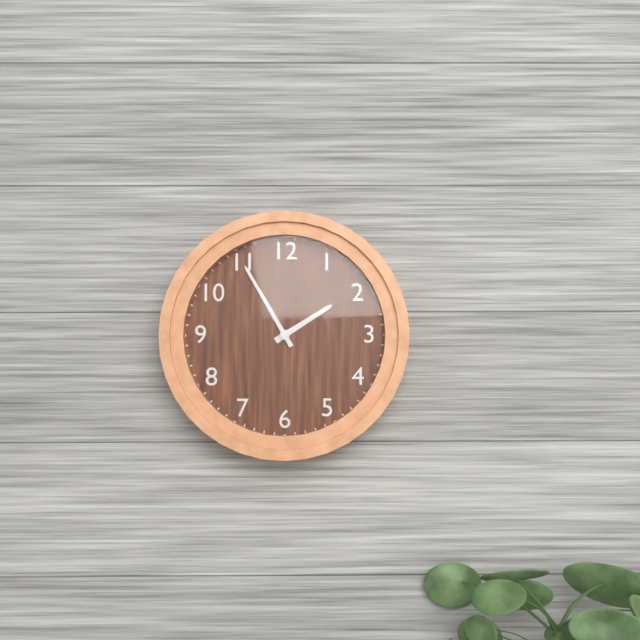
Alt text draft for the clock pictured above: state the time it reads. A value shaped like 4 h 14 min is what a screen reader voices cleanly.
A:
1 h 55 min
